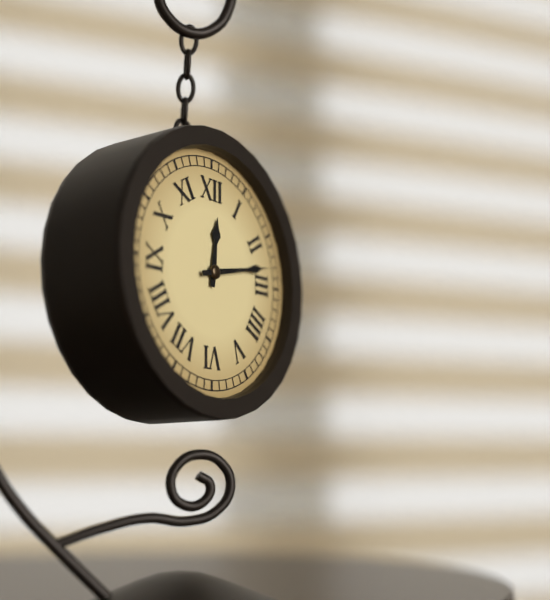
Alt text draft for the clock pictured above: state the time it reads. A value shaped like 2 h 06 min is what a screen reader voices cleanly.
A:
12 h 13 min
